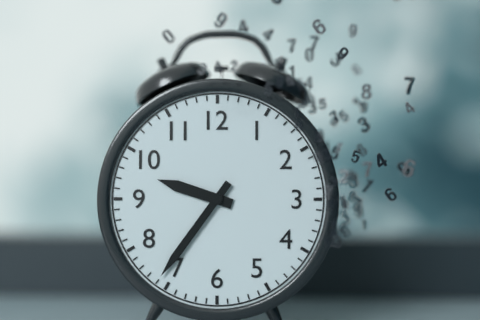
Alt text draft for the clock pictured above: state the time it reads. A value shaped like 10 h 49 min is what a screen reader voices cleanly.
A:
9 h 36 min
